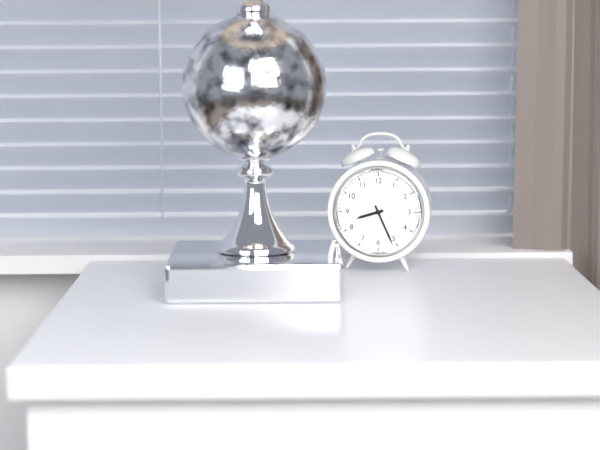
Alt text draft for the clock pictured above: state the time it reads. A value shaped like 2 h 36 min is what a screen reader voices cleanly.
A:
8 h 26 min
